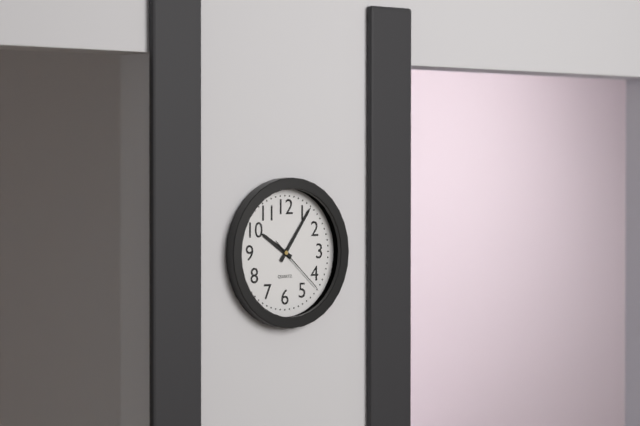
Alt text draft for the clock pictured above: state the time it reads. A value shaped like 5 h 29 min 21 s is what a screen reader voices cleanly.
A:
10 h 06 min 22 s
